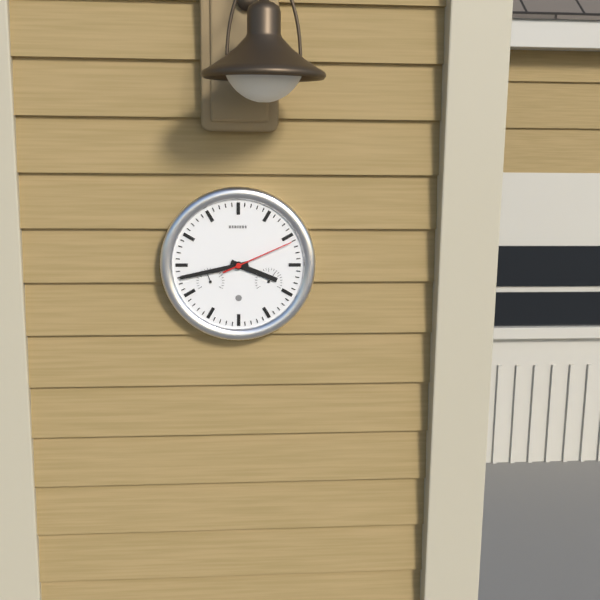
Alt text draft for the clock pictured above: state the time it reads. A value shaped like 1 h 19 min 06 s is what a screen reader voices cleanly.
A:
3 h 43 min 11 s
